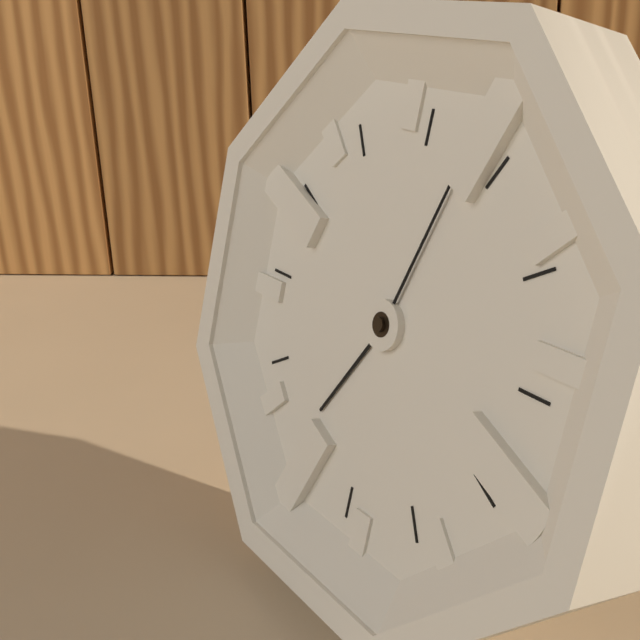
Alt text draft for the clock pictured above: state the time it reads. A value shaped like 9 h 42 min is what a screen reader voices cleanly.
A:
7 h 03 min
